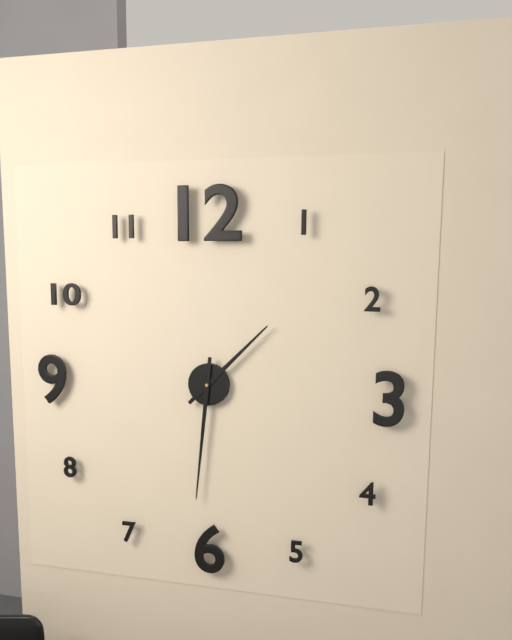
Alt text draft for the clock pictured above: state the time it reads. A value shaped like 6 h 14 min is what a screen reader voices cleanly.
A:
1 h 31 min
